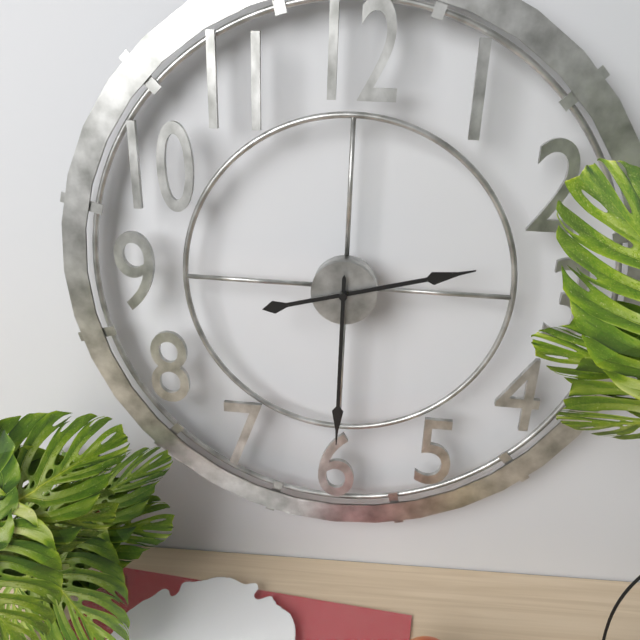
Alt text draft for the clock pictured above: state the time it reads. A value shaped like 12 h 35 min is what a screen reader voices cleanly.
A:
2 h 30 min
